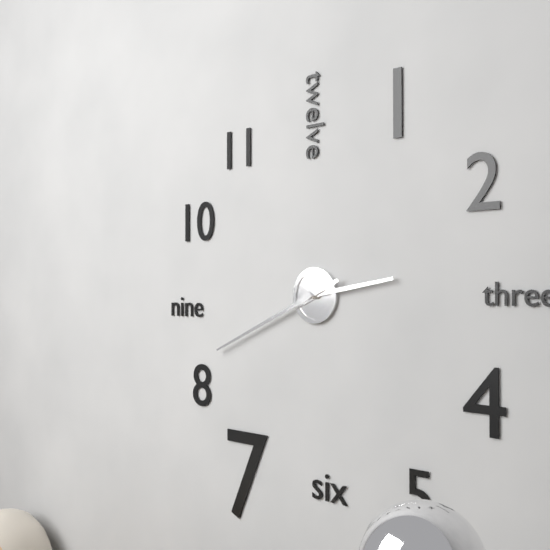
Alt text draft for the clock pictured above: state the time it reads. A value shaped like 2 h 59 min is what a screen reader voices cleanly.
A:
2 h 41 min
